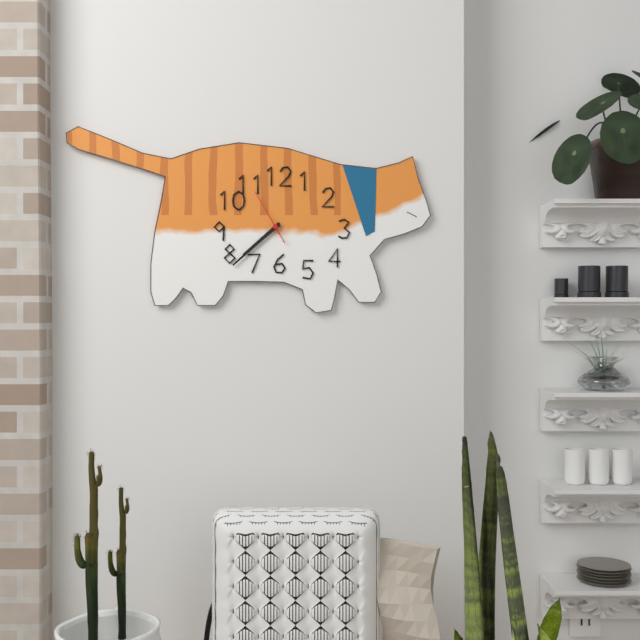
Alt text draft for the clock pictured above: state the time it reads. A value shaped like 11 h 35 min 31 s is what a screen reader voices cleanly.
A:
7 h 38 min 55 s
